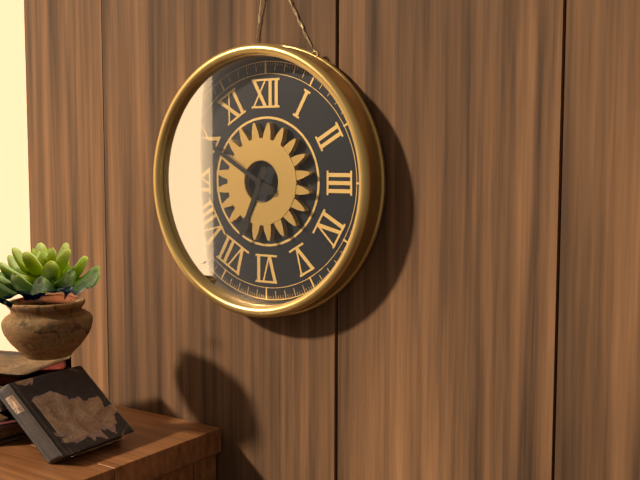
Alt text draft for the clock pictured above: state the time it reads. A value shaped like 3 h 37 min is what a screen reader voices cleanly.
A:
6 h 50 min
